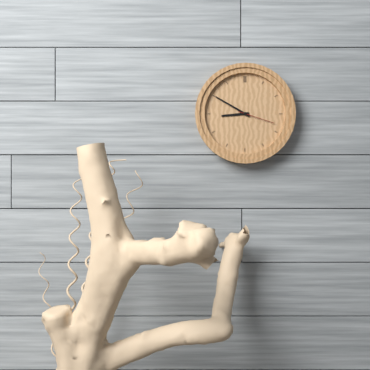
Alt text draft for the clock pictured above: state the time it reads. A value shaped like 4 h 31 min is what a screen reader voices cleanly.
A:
8 h 50 min
